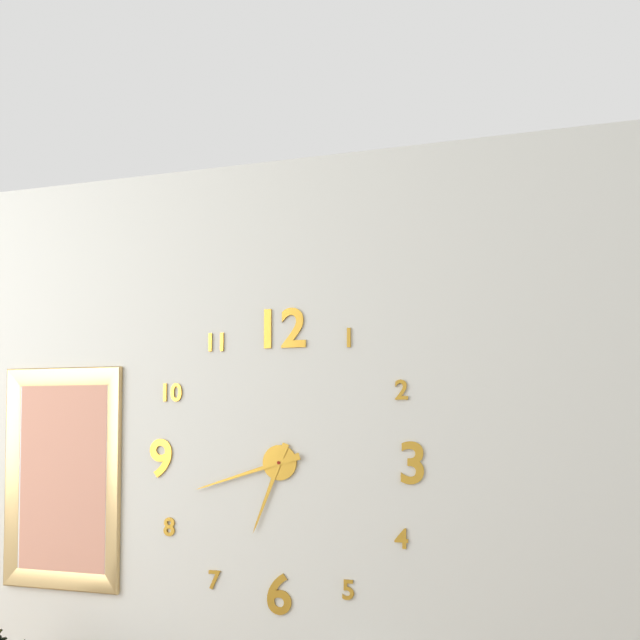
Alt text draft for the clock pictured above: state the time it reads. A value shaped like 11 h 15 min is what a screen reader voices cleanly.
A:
6 h 42 min
